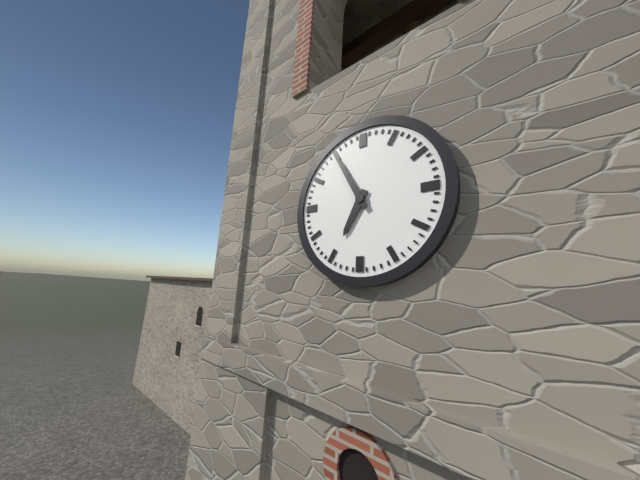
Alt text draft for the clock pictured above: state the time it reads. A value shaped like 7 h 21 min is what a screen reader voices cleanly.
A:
6 h 55 min
